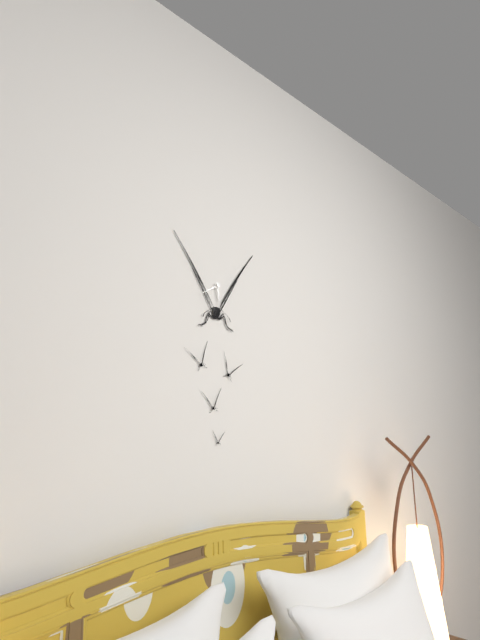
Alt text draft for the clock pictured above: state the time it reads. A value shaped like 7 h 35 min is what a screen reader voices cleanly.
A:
5 h 40 min
